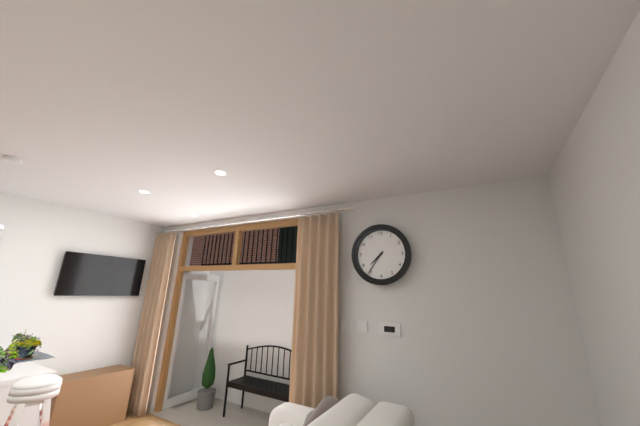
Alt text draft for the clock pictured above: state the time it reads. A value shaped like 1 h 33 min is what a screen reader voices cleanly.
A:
7 h 36 min
